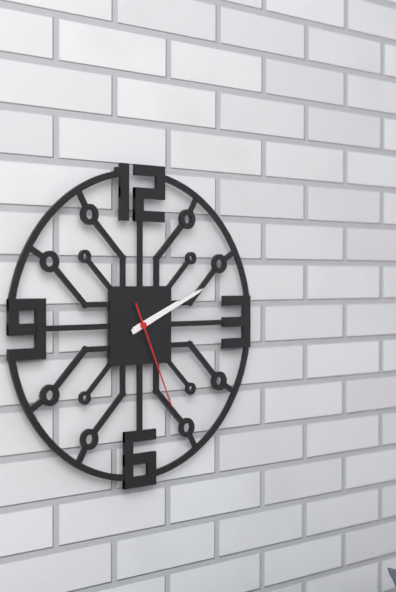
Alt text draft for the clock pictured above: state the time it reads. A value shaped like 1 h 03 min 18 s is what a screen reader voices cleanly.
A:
2 h 11 min 26 s
